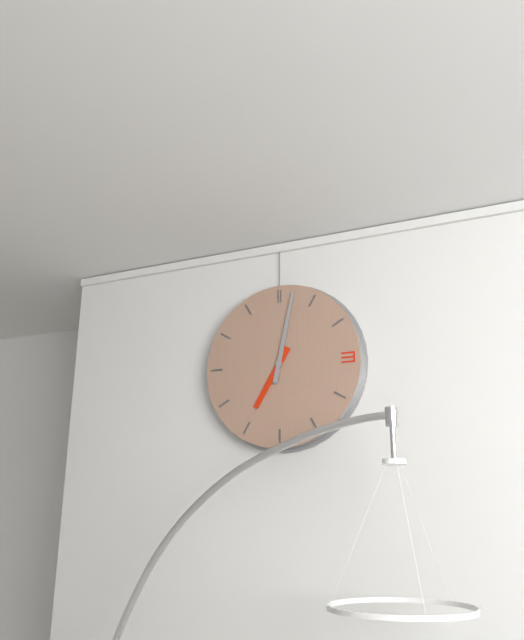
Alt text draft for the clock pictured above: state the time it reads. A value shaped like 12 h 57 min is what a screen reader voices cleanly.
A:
7 h 02 min
